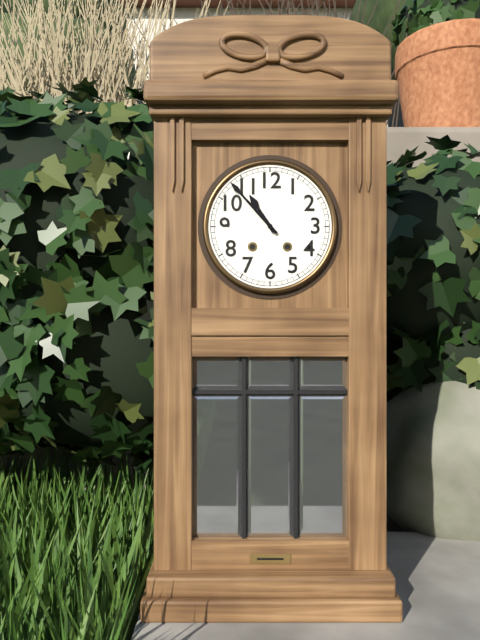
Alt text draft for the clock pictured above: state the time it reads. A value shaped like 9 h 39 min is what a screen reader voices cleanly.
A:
10 h 53 min
